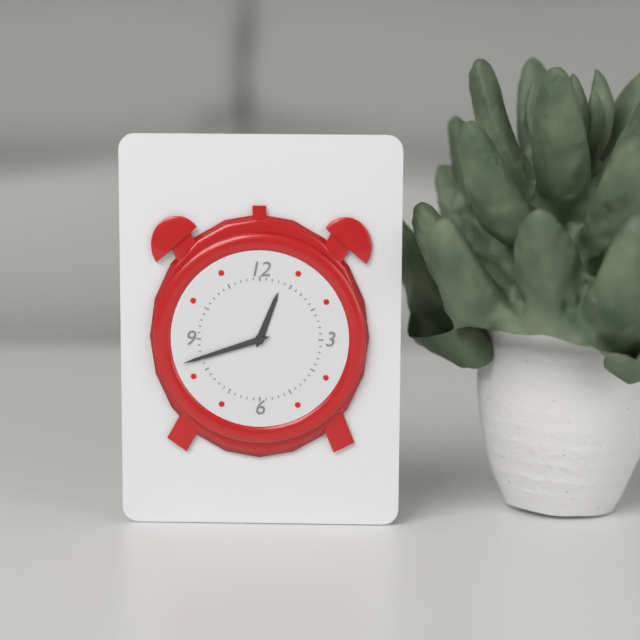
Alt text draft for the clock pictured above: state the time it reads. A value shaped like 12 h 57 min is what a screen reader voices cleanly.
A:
12 h 42 min
